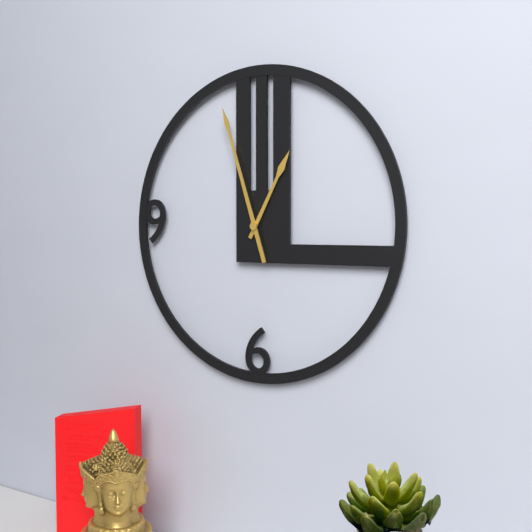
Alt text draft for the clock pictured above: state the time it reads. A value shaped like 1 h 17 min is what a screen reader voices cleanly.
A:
12 h 57 min
